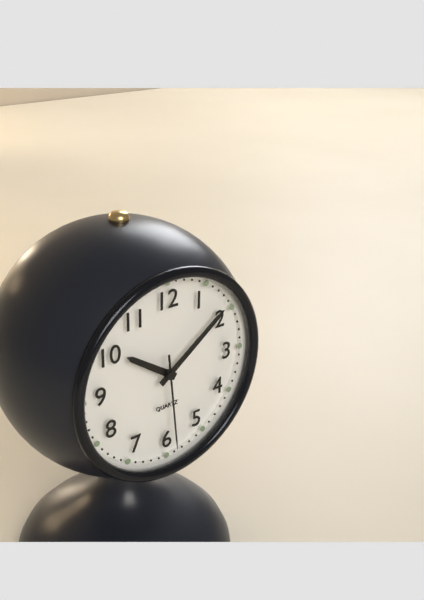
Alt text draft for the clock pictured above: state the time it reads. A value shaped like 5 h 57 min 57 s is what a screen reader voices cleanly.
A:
10 h 09 min 29 s
